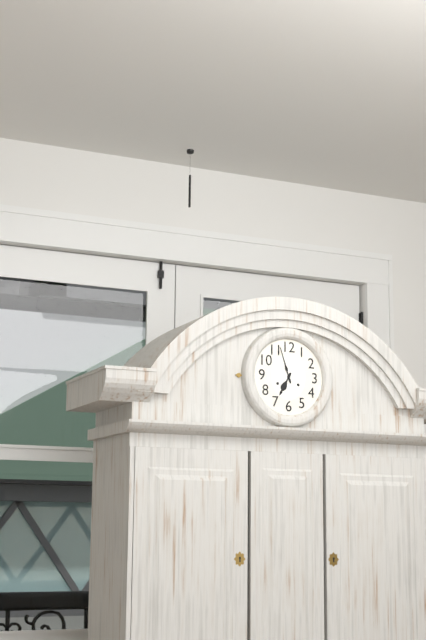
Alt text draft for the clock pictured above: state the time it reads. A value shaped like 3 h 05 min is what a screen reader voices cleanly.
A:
6 h 57 min
